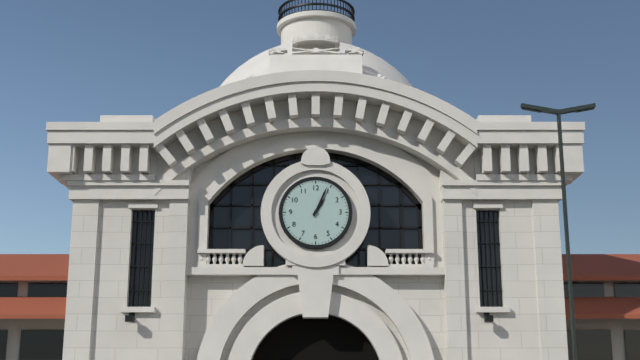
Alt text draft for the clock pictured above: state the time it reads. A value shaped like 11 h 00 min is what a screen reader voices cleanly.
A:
1 h 04 min
